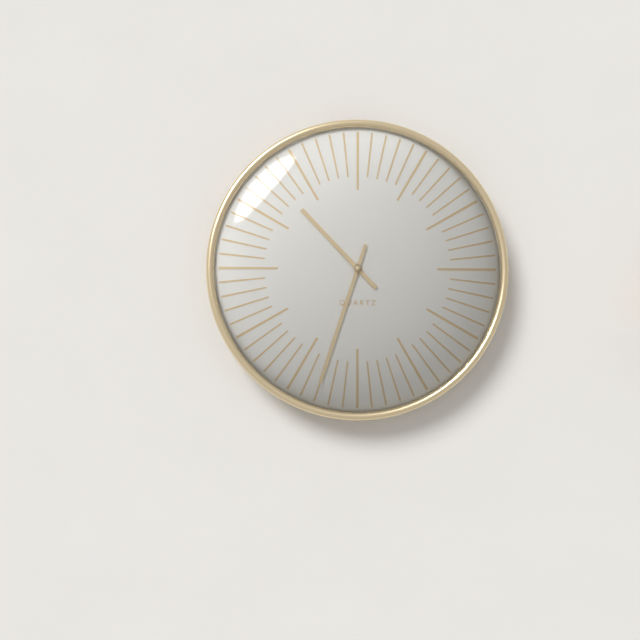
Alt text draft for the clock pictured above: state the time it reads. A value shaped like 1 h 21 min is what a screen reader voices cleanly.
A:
10 h 33 min
